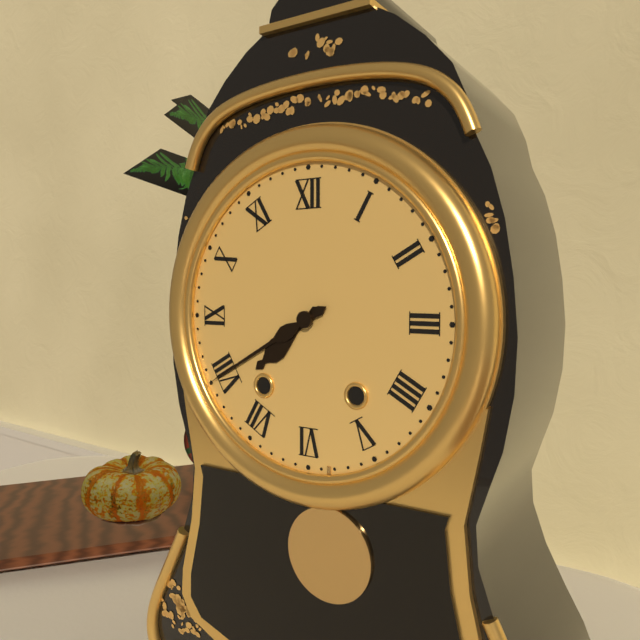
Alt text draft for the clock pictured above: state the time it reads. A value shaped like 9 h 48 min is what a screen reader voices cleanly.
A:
7 h 40 min
